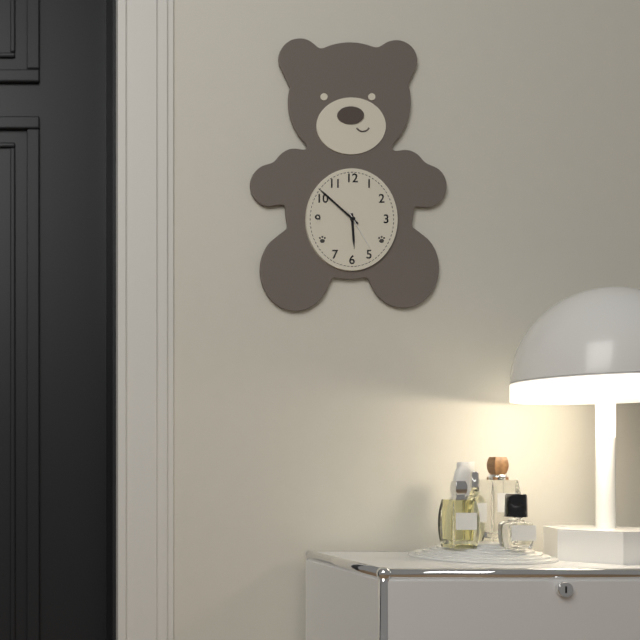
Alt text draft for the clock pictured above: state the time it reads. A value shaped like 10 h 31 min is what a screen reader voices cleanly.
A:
5 h 52 min
